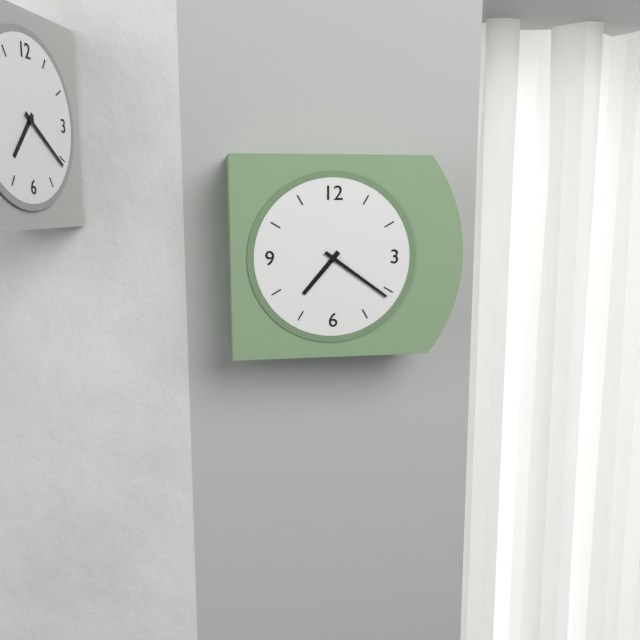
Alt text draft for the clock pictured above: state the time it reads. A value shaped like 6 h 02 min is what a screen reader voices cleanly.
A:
7 h 21 min
